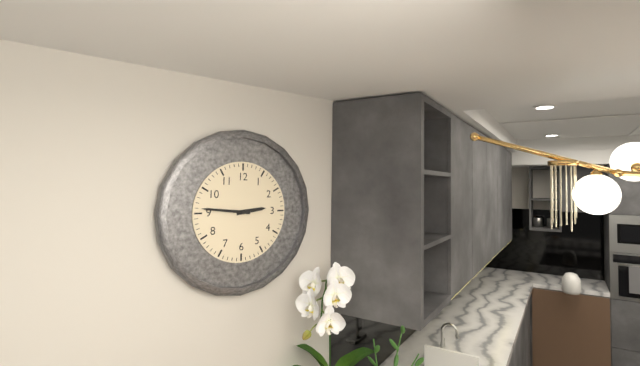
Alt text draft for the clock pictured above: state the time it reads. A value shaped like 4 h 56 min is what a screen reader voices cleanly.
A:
2 h 46 min
